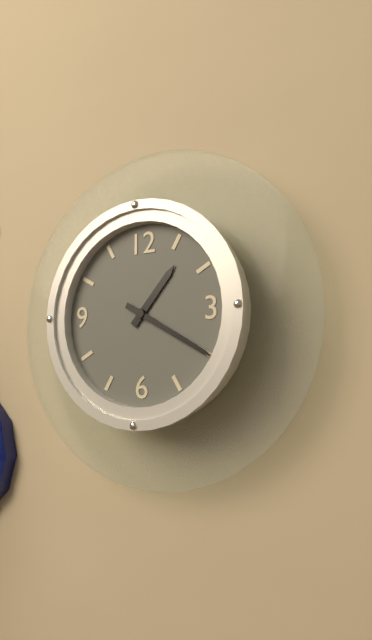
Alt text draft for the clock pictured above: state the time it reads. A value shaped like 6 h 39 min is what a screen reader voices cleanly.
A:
1 h 20 min
